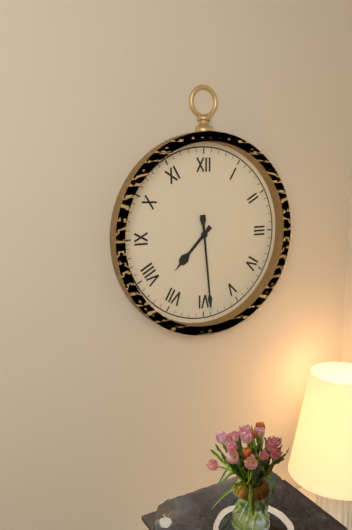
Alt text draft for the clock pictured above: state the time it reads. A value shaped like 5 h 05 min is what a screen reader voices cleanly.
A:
7 h 29 min
